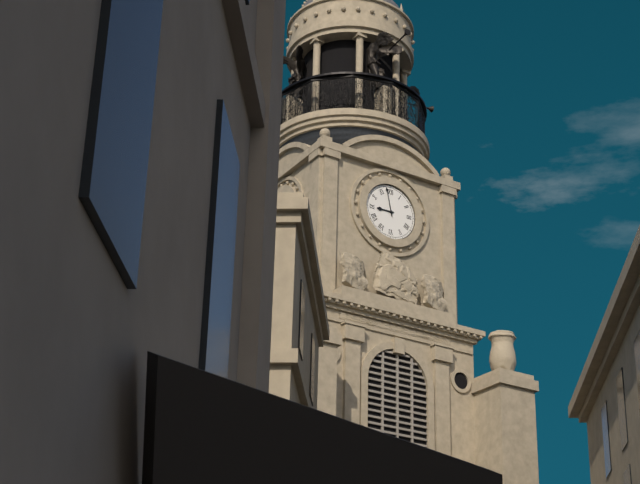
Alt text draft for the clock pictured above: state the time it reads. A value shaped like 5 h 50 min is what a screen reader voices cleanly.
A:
8 h 58 min
